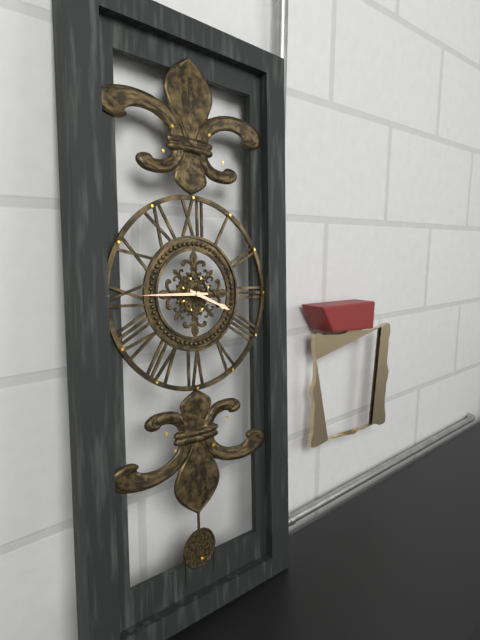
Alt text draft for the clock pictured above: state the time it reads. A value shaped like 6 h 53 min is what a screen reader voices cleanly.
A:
3 h 45 min
